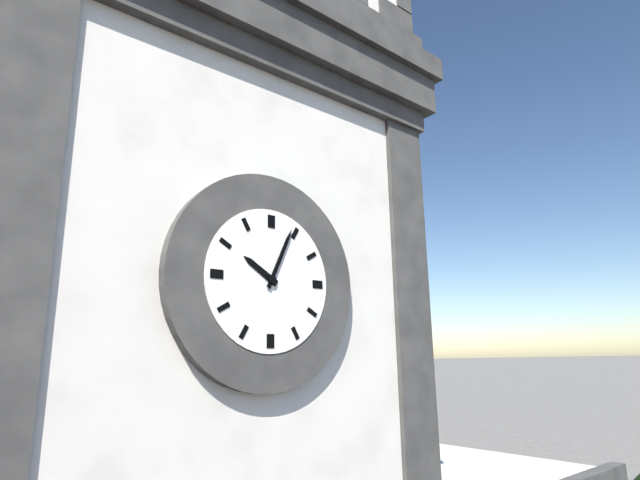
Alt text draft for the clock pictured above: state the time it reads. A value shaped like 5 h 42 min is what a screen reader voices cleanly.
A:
10 h 04 min
